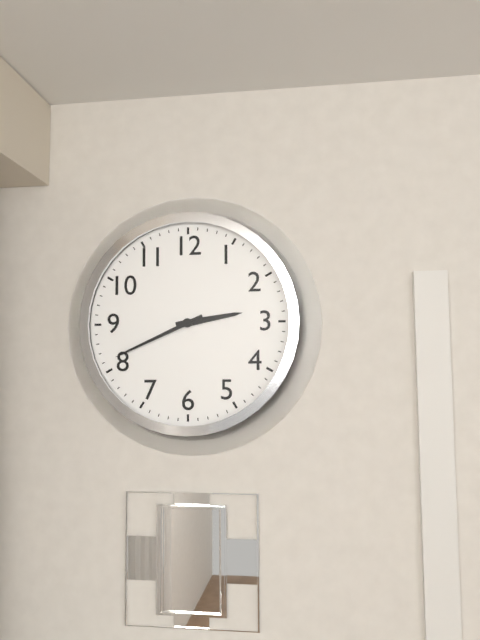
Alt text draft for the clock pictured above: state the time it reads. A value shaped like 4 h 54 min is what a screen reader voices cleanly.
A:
2 h 41 min
